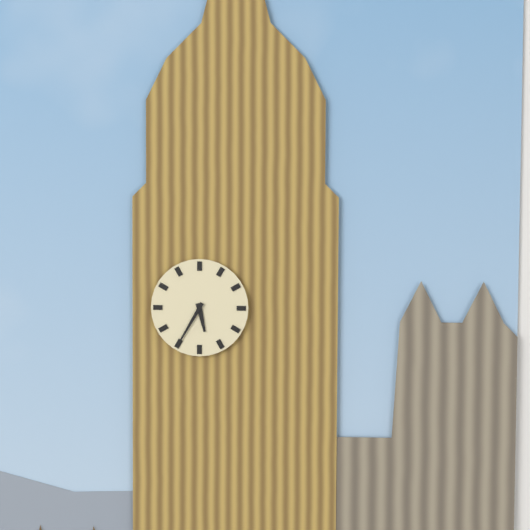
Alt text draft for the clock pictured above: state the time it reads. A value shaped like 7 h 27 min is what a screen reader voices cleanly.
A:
5 h 35 min
